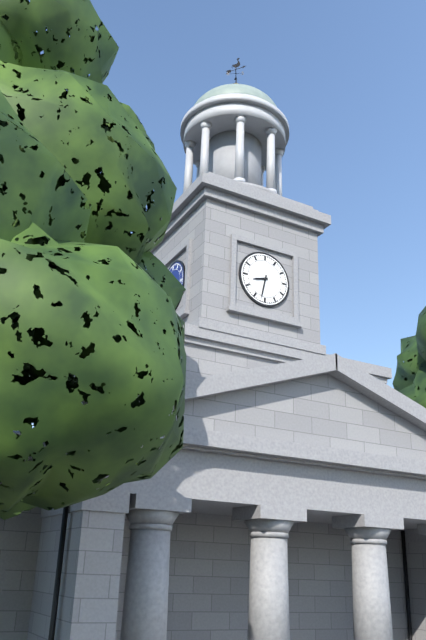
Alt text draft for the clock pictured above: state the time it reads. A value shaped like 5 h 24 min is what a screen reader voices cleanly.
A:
8 h 32 min
